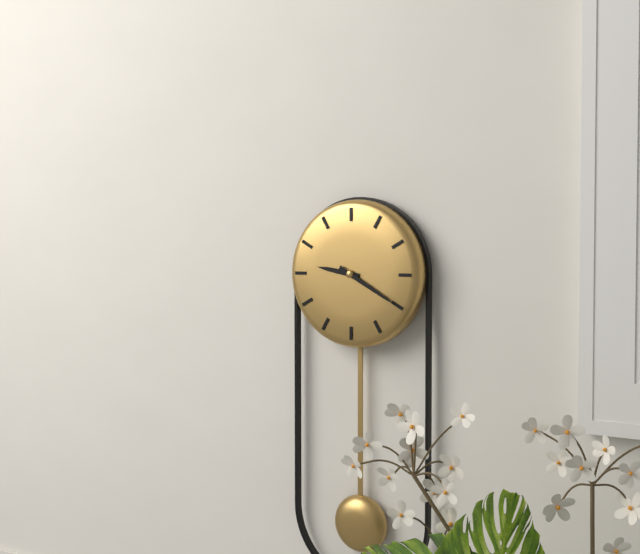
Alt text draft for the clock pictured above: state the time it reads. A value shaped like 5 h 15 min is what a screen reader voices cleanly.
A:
9 h 20 min
